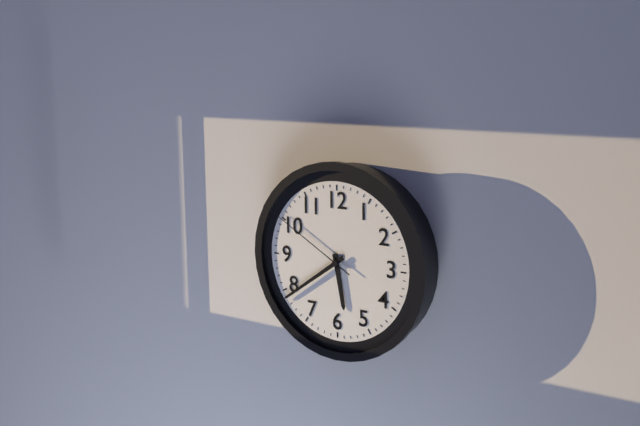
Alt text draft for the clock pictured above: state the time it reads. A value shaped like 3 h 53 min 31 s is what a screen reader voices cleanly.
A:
5 h 39 min 50 s
